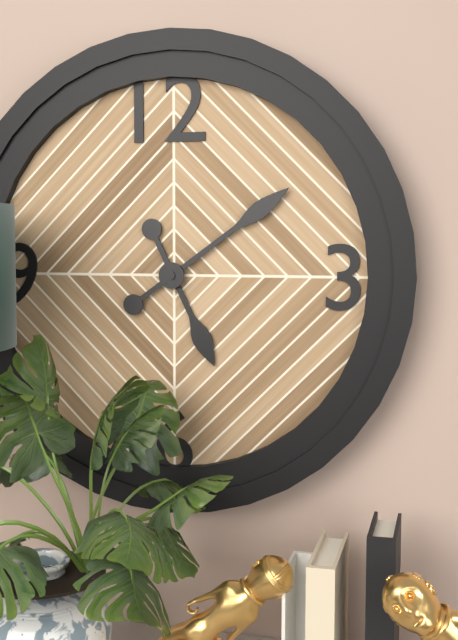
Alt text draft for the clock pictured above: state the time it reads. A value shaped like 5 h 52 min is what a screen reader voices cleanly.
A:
5 h 09 min
